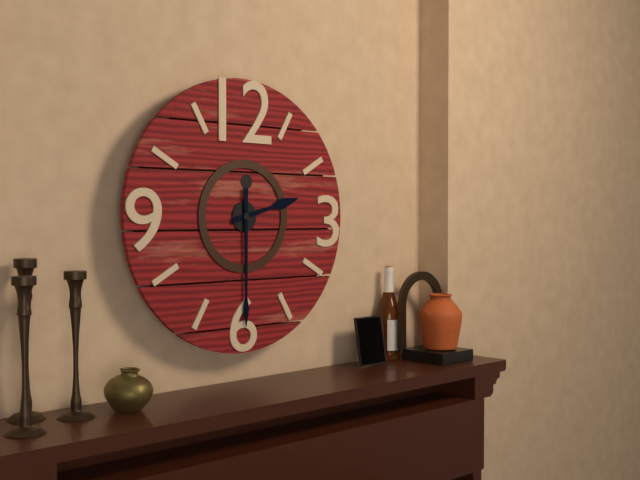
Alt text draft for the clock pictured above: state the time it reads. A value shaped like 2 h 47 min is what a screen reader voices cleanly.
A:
2 h 30 min
